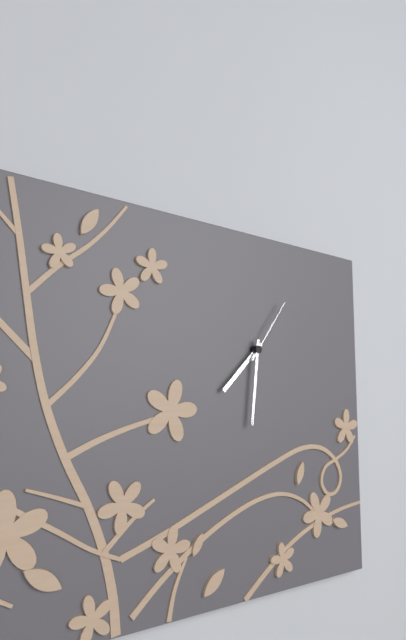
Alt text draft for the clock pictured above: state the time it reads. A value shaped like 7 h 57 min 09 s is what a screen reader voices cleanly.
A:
7 h 31 min 06 s
